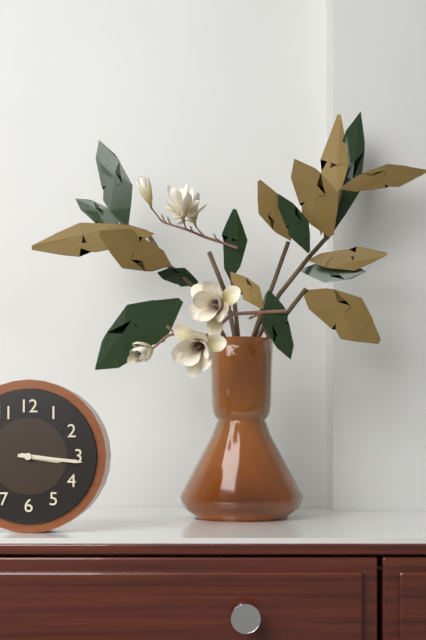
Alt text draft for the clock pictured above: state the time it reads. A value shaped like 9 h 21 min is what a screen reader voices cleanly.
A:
3 h 16 min
